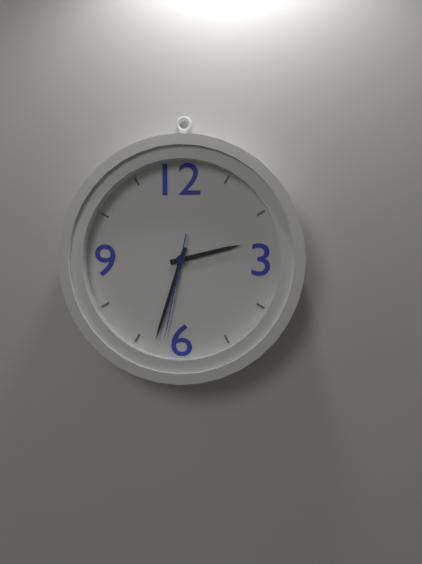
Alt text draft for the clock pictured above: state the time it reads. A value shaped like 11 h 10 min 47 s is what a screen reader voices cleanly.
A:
2 h 33 min 32 s
